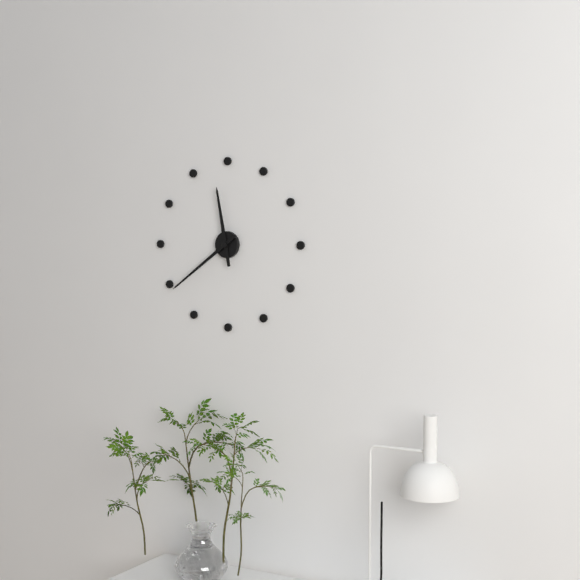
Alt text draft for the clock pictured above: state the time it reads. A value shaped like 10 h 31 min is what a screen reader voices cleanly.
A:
11 h 39 min
